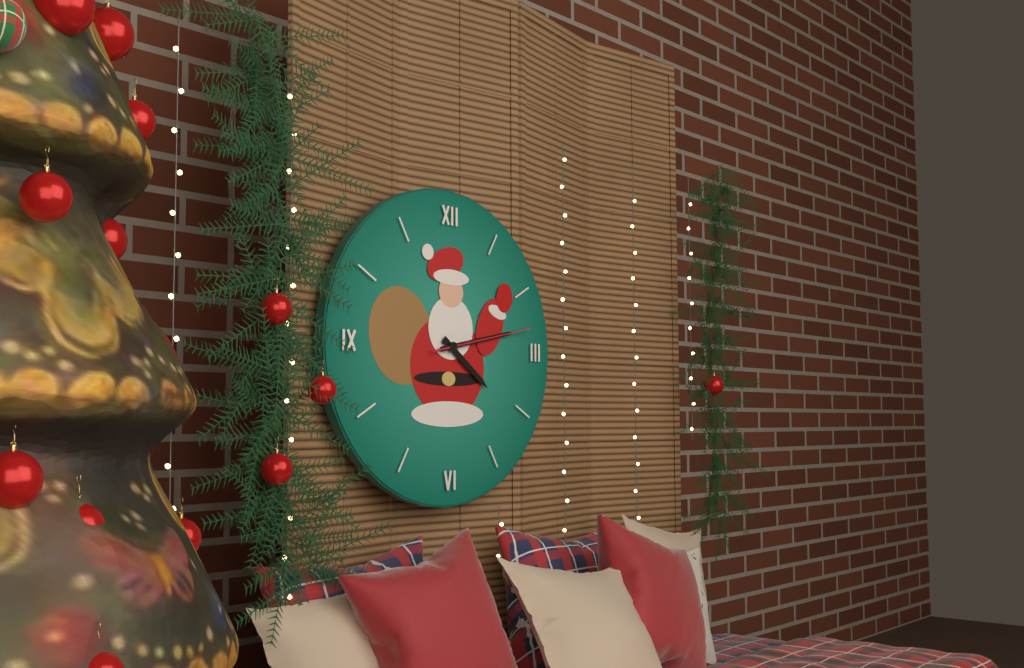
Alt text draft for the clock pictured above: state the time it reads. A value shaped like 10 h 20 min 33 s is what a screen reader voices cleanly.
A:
4 h 13 min 13 s
